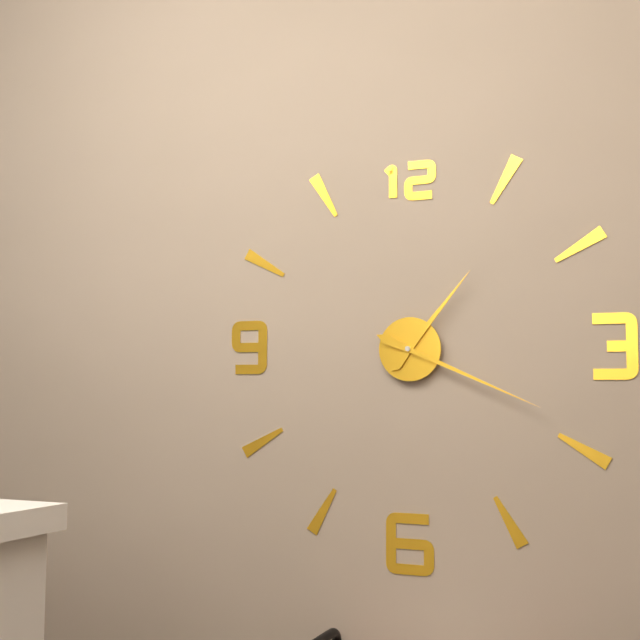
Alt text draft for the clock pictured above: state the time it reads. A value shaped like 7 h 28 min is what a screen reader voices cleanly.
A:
1 h 19 min
